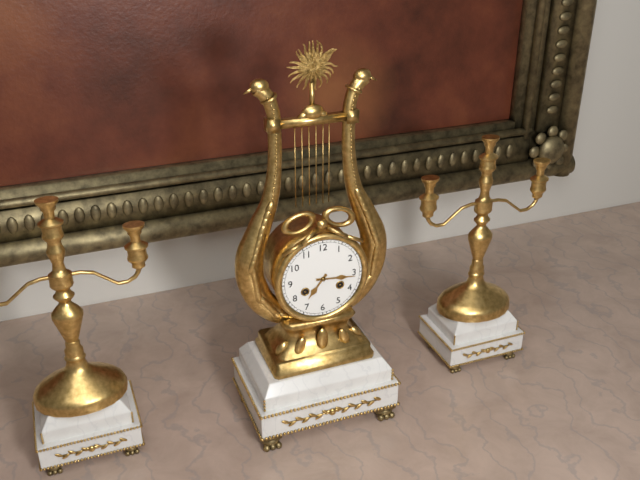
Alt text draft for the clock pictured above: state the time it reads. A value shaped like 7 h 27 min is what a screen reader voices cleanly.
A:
7 h 16 min
